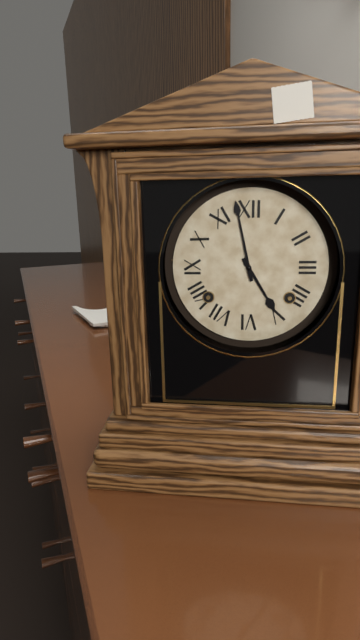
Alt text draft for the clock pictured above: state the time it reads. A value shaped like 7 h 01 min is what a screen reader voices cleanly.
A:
4 h 58 min
